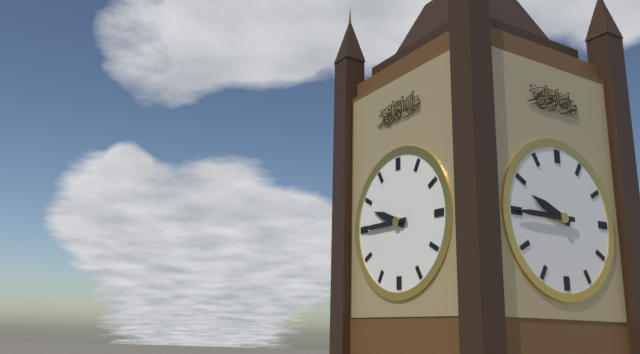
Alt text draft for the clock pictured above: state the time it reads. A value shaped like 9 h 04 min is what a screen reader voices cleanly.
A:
9 h 45 min
